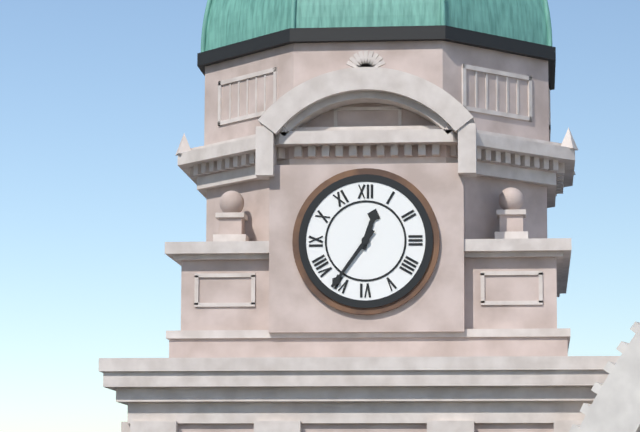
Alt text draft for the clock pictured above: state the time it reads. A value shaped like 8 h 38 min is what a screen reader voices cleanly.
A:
12 h 36 min
